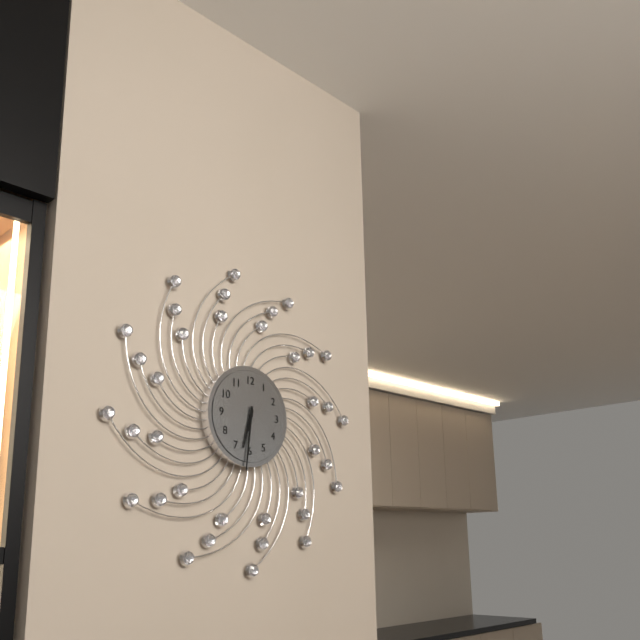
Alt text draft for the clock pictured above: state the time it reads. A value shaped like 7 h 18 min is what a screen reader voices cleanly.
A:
6 h 31 min
